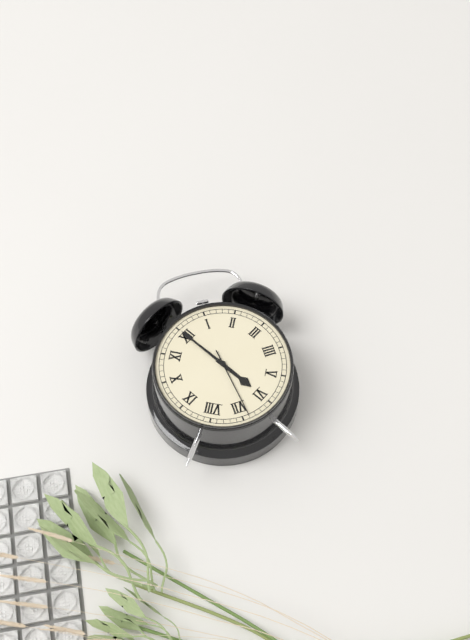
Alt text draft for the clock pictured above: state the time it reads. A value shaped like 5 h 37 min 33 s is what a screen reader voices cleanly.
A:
6 h 00 min 34 s
